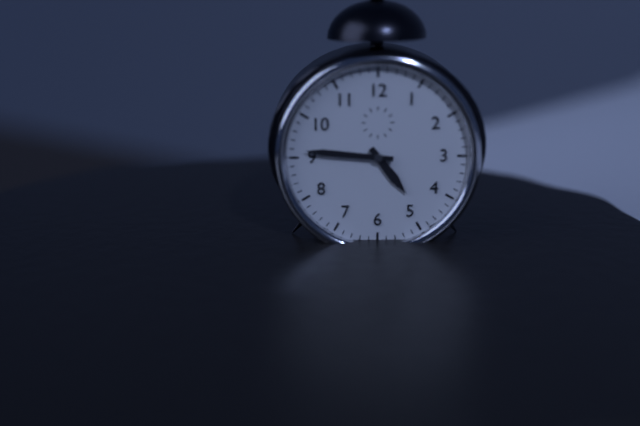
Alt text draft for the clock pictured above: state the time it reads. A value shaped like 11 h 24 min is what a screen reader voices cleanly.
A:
4 h 46 min
